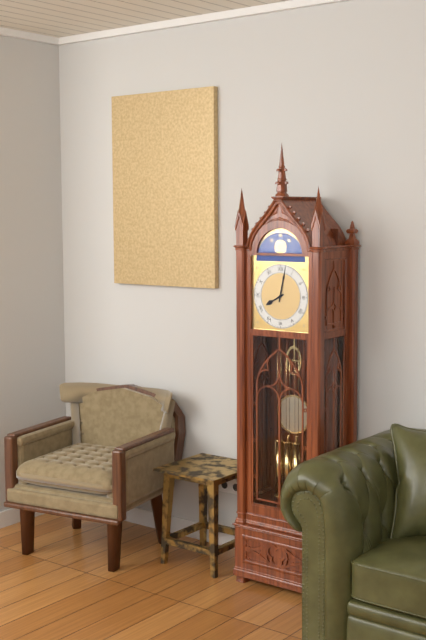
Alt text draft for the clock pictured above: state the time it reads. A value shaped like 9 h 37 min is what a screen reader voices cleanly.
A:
8 h 02 min
